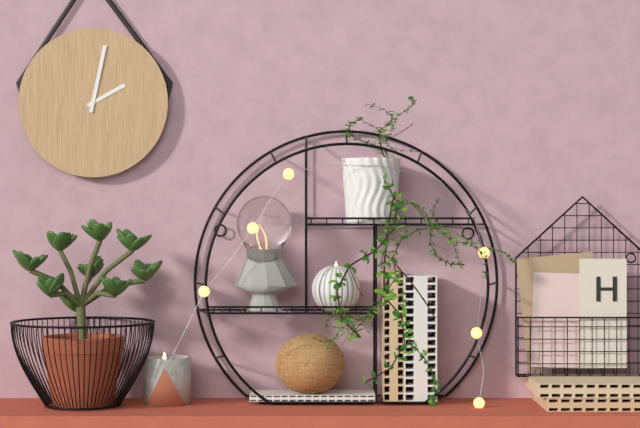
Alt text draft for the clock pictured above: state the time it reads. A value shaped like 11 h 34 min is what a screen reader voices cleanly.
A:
2 h 02 min
